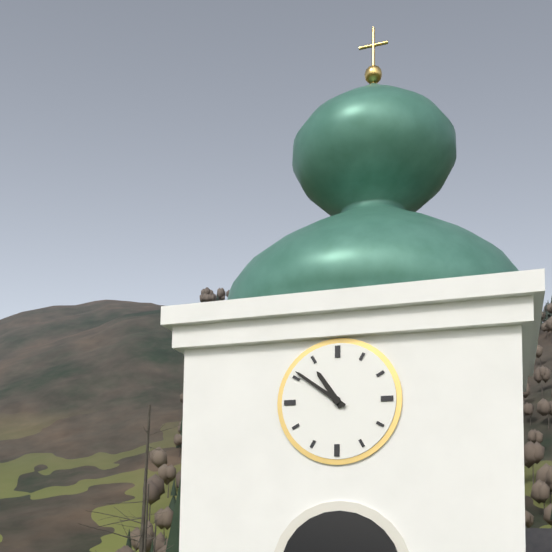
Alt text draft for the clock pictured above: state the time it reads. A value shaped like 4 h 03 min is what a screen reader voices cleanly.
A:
10 h 51 min
